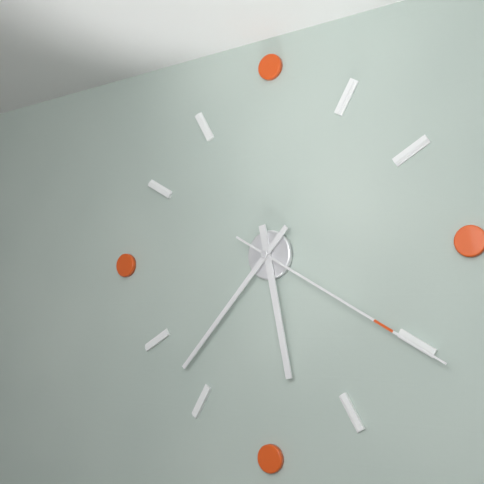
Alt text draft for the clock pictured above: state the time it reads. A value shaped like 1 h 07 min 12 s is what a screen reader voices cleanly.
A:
5 h 37 min 20 s
